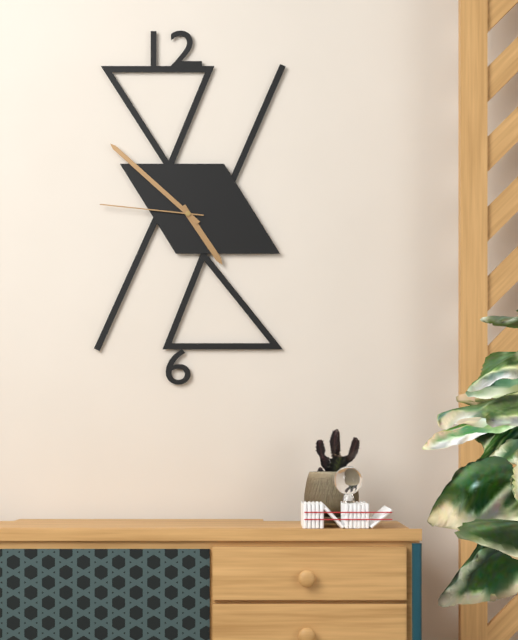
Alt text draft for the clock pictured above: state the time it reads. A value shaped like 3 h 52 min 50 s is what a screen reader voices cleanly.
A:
4 h 52 min 46 s
